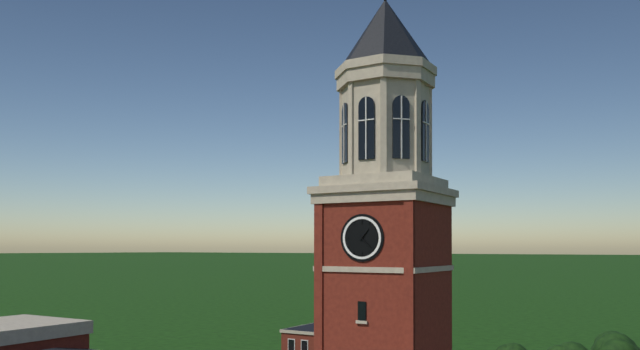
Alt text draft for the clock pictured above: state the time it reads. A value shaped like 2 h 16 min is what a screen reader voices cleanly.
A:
1 h 22 min
